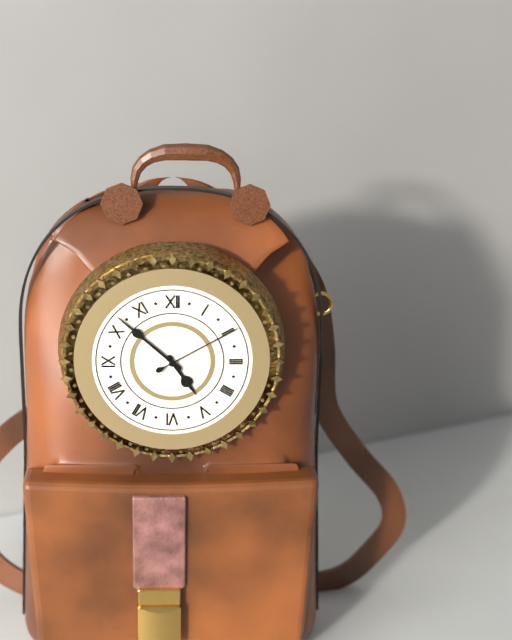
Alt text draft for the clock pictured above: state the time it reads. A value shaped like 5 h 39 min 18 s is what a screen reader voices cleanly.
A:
4 h 52 min 10 s
